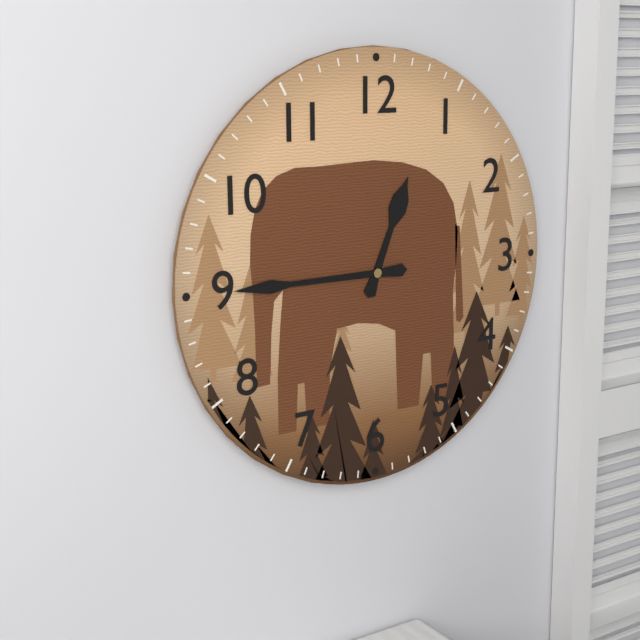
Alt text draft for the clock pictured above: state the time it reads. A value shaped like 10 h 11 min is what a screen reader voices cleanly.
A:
12 h 45 min
